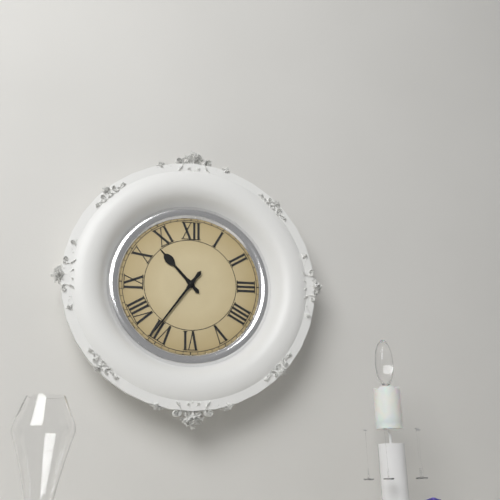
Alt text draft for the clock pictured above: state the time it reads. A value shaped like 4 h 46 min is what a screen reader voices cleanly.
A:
10 h 36 min
